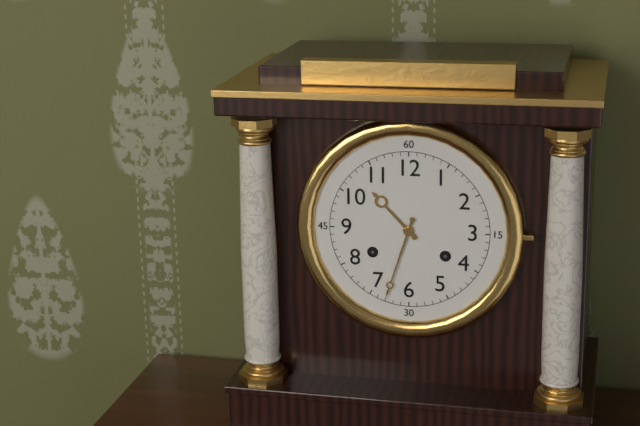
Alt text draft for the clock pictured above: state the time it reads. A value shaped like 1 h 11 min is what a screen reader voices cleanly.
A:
10 h 33 min
